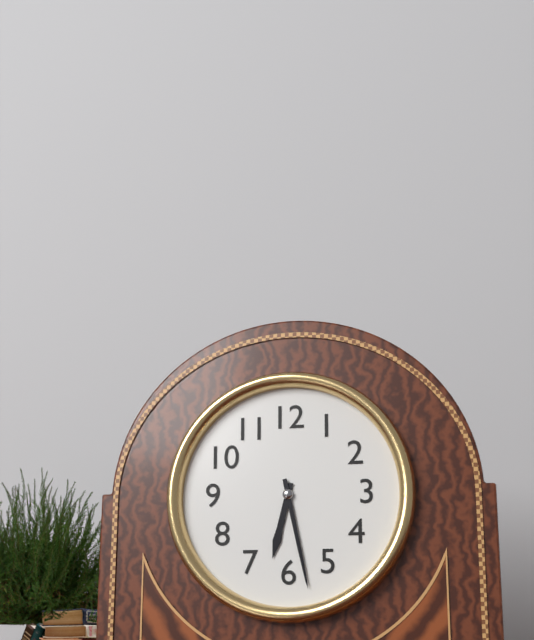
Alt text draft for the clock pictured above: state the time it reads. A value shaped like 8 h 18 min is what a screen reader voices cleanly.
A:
6 h 28 min
